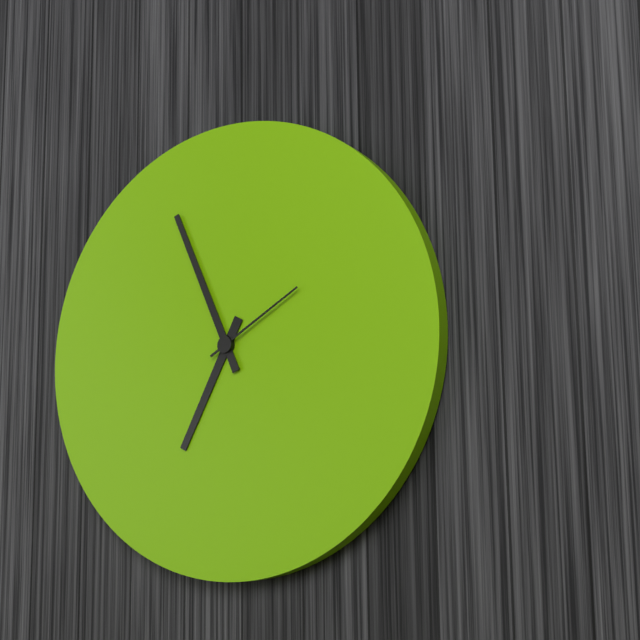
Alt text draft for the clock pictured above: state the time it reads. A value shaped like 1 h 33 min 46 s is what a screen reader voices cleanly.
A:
6 h 56 min 10 s
